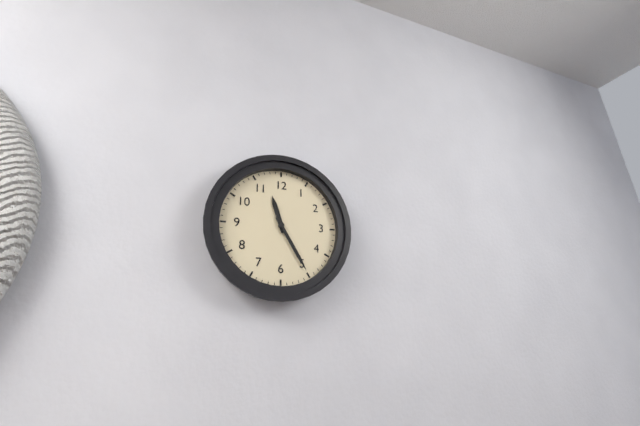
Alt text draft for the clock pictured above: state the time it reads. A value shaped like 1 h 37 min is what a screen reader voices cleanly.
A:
11 h 25 min
